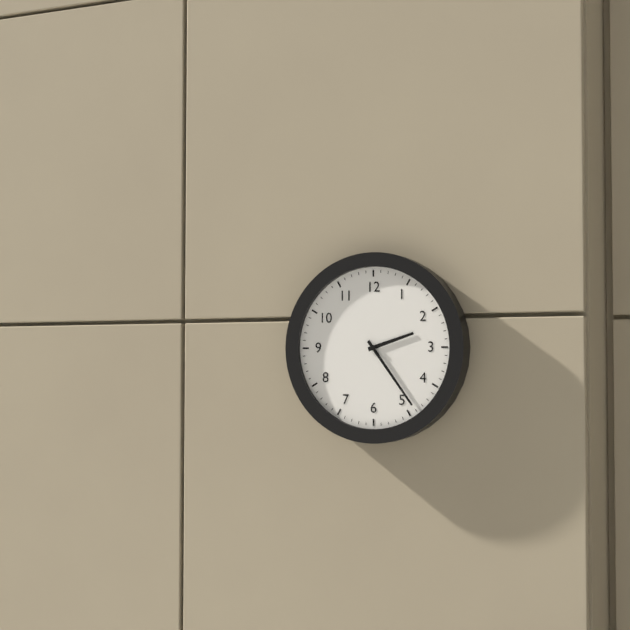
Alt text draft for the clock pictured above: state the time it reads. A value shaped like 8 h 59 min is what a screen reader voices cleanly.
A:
2 h 24 min
